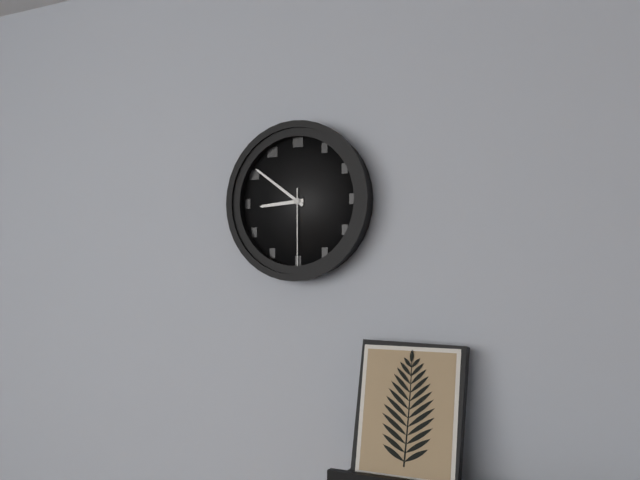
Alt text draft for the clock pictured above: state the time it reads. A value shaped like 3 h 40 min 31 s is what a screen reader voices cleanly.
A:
8 h 51 min 30 s
